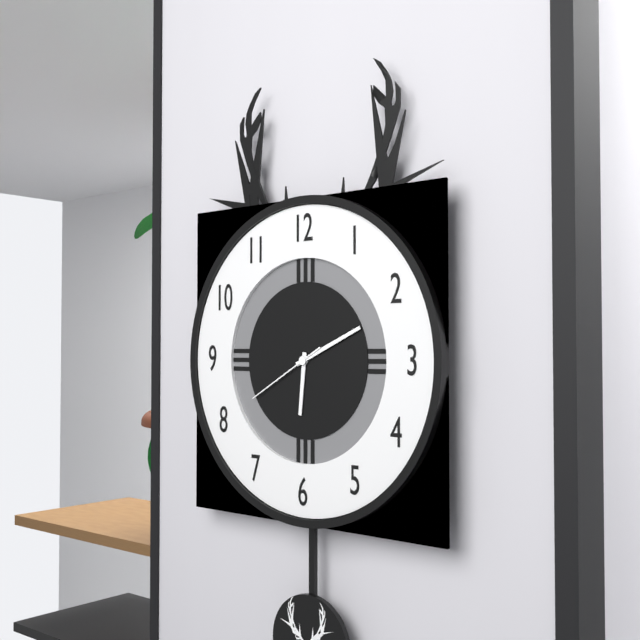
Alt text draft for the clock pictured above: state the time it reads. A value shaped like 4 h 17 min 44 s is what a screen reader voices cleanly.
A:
6 h 11 min 40 s
